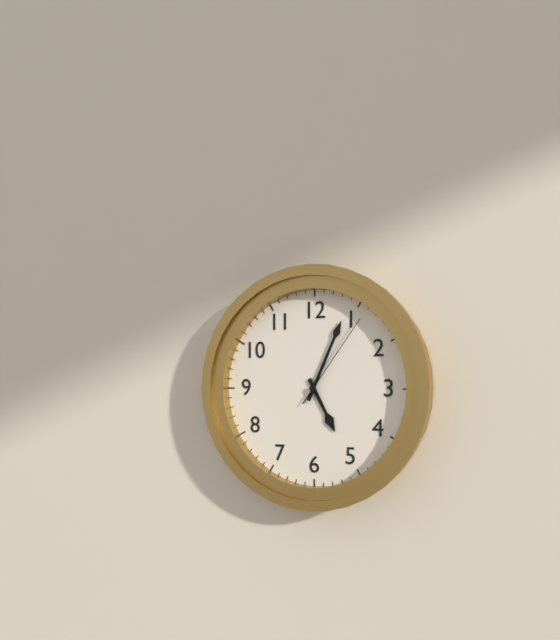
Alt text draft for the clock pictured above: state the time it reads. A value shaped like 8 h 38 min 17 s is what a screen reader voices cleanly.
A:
5 h 04 min 06 s
